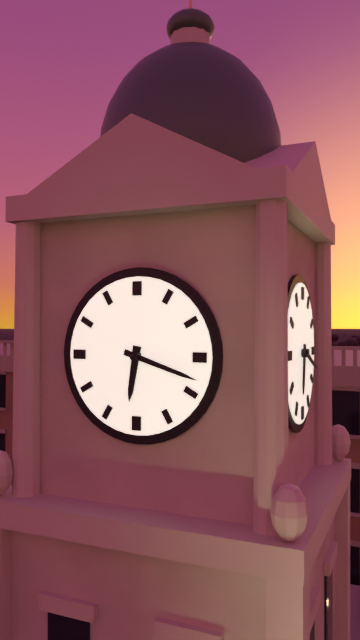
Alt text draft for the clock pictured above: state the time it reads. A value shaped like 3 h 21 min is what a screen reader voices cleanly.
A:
6 h 18 min
